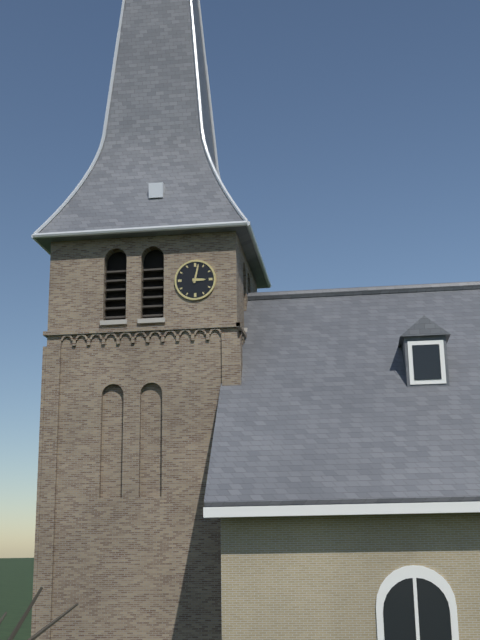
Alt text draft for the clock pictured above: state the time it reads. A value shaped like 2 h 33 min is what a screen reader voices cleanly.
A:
3 h 02 min
